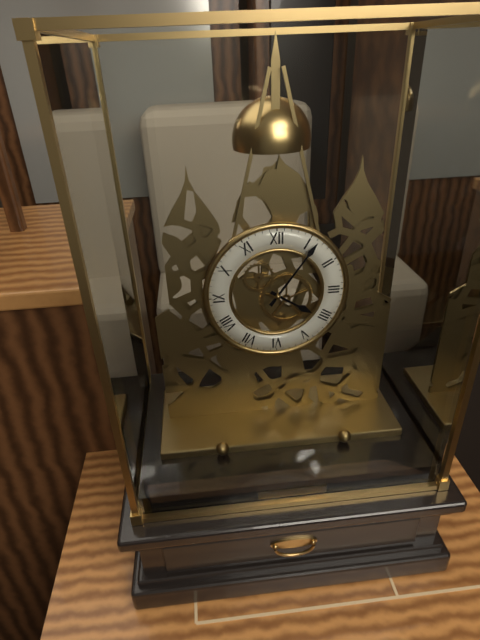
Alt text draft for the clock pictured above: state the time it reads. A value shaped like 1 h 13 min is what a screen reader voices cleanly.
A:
4 h 06 min
